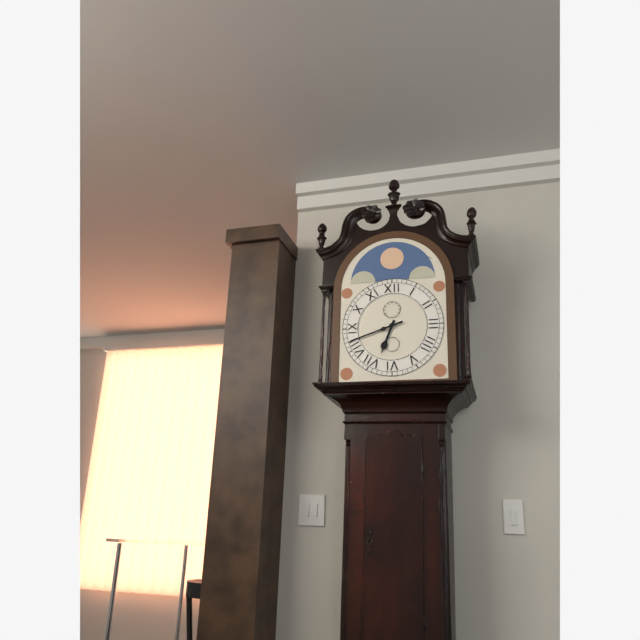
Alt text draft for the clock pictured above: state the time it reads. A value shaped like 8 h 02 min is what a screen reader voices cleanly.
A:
6 h 42 min
